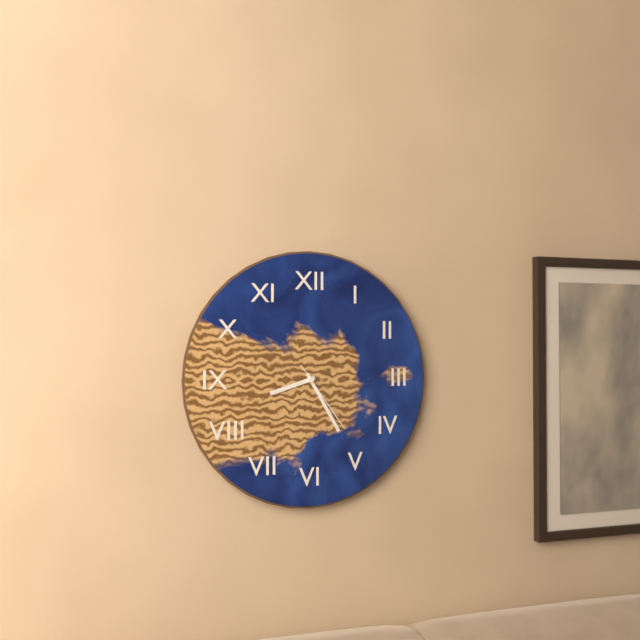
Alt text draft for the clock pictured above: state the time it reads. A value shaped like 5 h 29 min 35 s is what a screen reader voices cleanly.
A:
8 h 25 min 24 s
